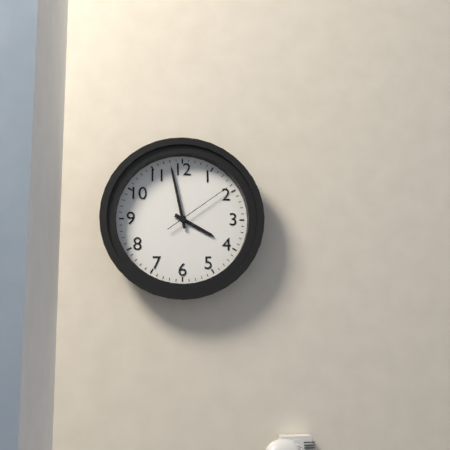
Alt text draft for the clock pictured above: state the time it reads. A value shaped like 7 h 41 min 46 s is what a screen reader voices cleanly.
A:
3 h 58 min 09 s
